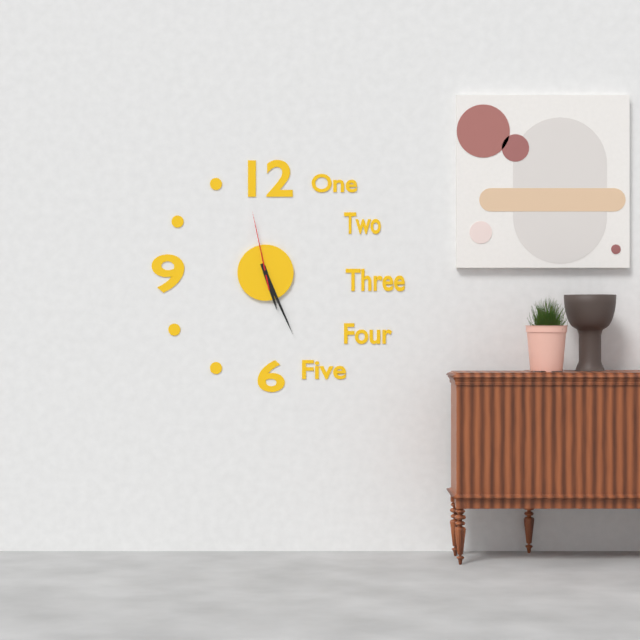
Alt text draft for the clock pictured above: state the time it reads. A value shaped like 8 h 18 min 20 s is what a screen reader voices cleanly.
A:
5 h 26 min 58 s
